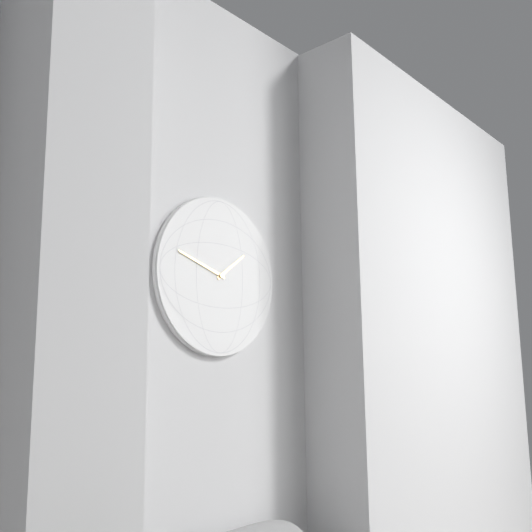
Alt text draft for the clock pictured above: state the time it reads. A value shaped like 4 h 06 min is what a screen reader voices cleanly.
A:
1 h 48 min
